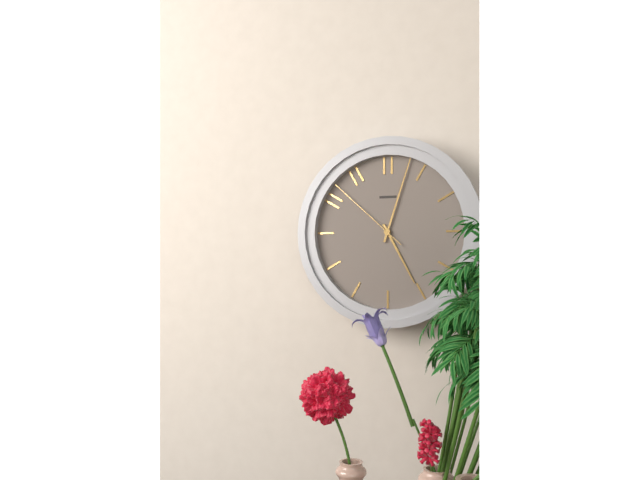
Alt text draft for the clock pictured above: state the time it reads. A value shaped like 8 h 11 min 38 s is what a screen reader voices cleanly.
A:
5 h 03 min 52 s
